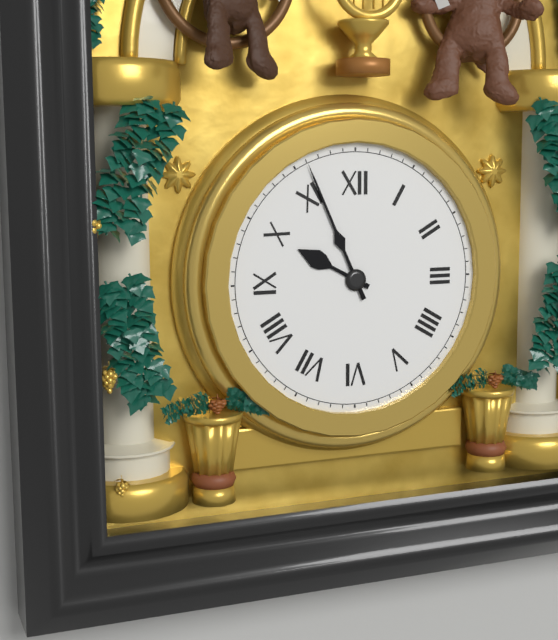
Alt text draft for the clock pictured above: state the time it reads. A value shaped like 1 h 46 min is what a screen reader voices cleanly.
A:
9 h 56 min
